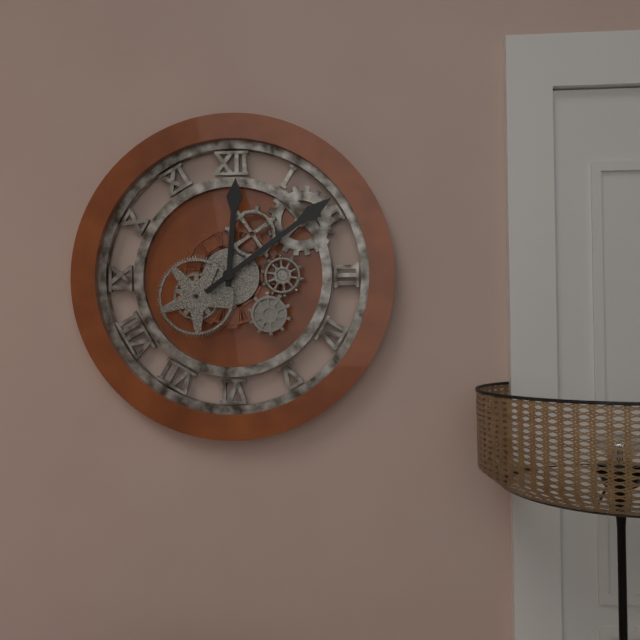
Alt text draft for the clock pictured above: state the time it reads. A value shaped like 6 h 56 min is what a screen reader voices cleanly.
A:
12 h 09 min
